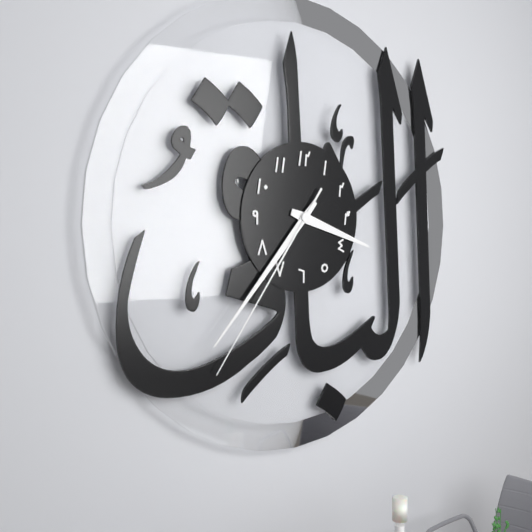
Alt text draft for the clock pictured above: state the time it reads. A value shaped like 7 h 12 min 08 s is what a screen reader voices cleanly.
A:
3 h 37 min 36 s
